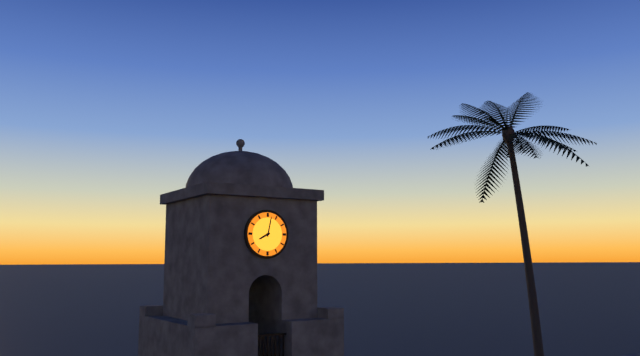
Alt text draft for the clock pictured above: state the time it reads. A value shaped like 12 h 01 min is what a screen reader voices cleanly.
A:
8 h 02 min
